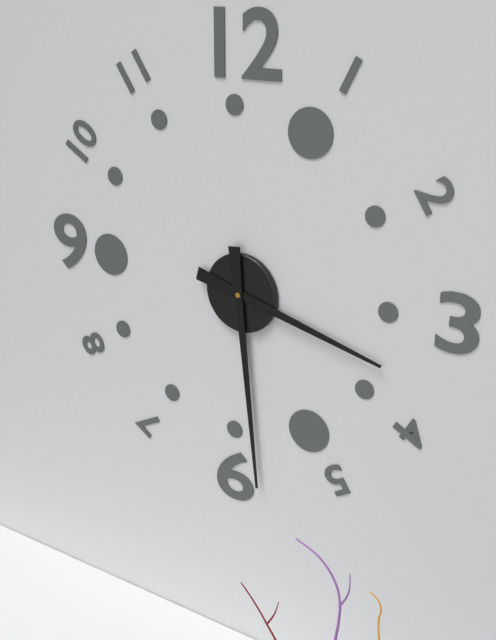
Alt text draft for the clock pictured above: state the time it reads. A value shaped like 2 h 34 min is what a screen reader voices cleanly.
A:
3 h 29 min
